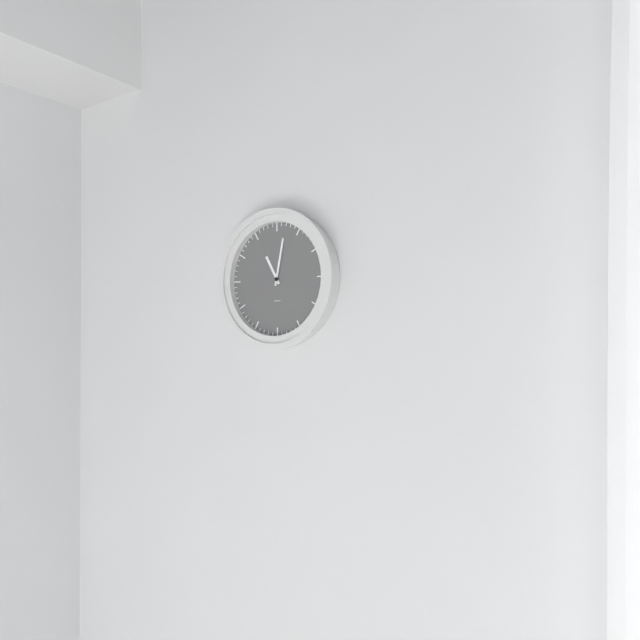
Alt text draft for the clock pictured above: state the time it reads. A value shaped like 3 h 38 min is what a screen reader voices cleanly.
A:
11 h 02 min
